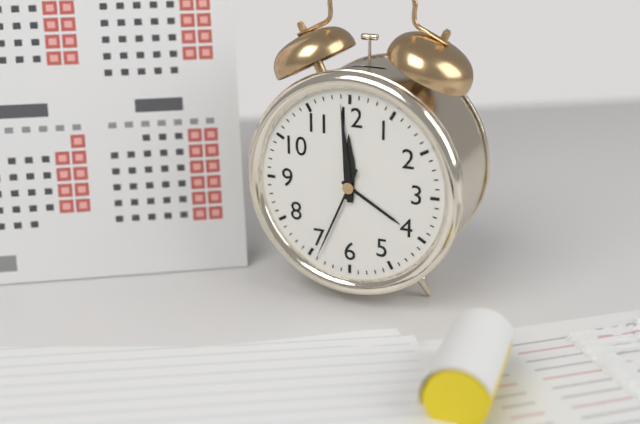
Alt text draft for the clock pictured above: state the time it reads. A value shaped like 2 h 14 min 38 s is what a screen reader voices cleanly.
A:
11 h 59 min 34 s
